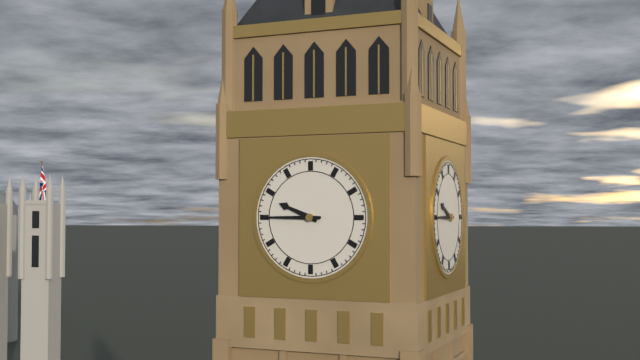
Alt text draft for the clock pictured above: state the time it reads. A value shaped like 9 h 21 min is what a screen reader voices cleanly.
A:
9 h 45 min
